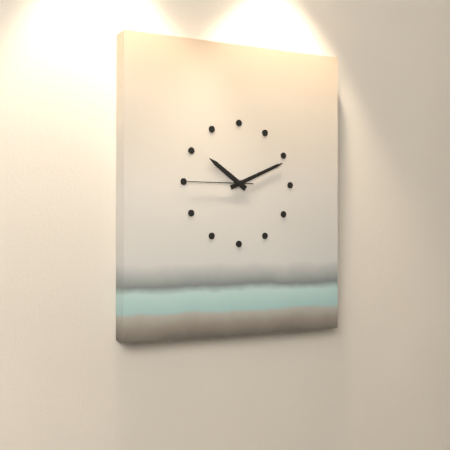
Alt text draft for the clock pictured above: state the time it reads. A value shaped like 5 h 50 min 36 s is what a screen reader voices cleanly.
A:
10 h 11 min 45 s
